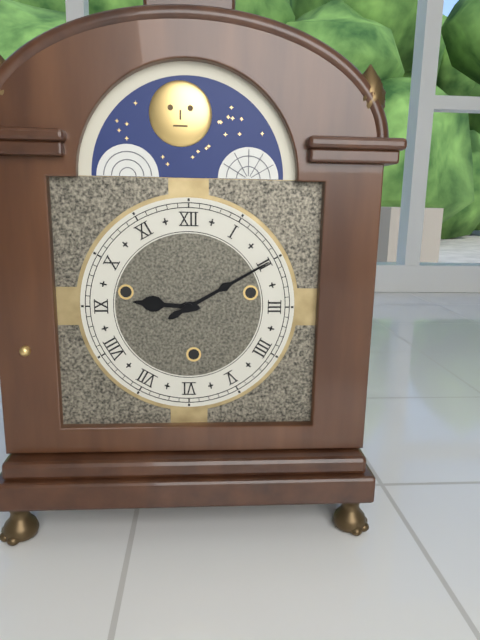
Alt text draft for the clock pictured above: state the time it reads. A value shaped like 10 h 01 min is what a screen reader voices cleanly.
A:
9 h 10 min
